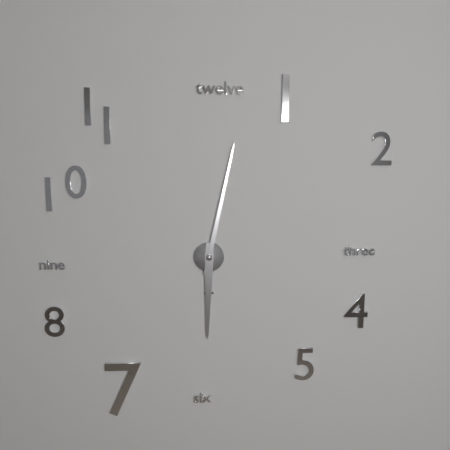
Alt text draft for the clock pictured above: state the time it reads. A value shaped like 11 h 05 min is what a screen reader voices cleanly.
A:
6 h 02 min
